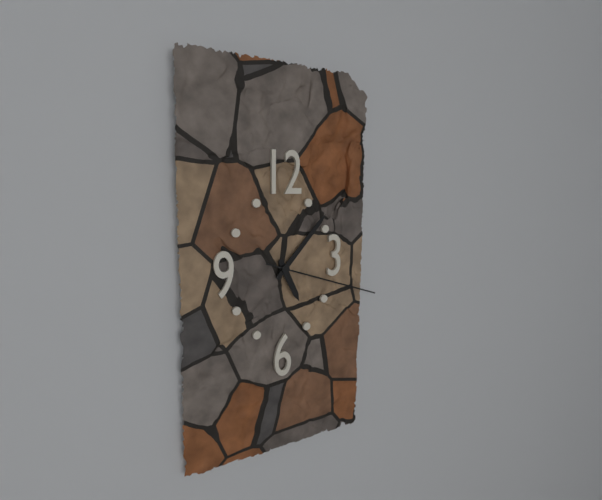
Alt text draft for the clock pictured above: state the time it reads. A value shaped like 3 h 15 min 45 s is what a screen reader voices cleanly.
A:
5 h 07 min 18 s
